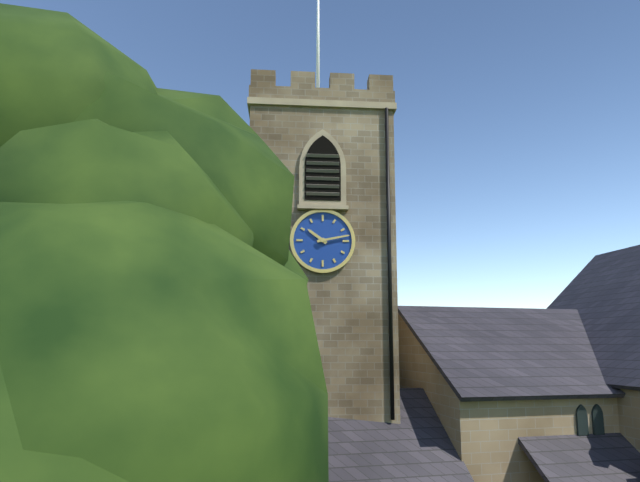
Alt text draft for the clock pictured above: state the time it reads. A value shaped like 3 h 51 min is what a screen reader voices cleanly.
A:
10 h 13 min
